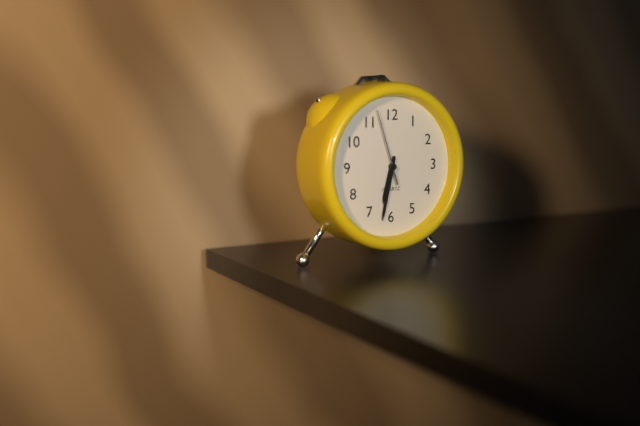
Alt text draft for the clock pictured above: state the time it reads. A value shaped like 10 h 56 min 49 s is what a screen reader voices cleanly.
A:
6 h 32 min 57 s
